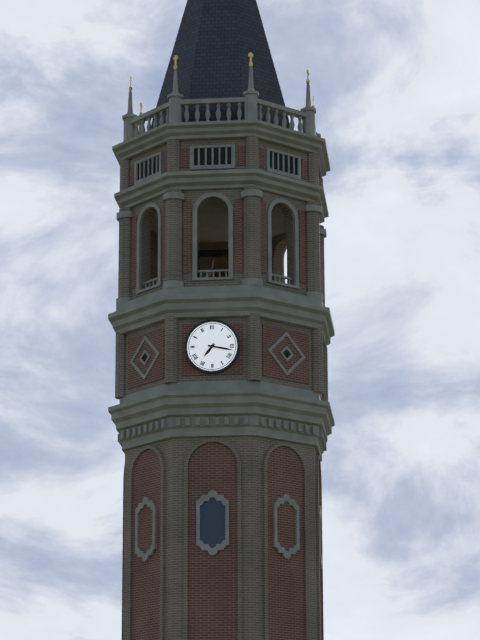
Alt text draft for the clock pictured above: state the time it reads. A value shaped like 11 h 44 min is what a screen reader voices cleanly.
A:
7 h 17 min
